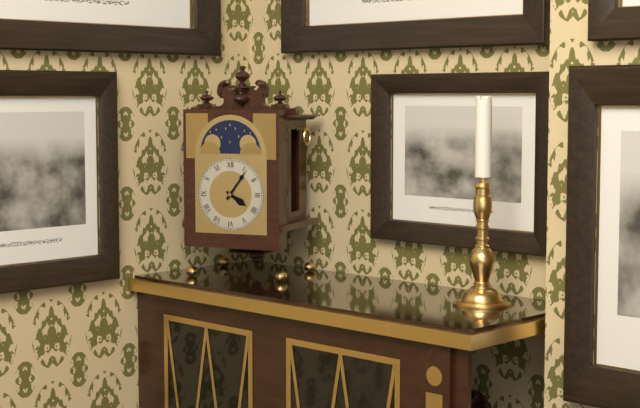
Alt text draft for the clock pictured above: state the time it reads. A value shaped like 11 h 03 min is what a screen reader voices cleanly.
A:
4 h 06 min
